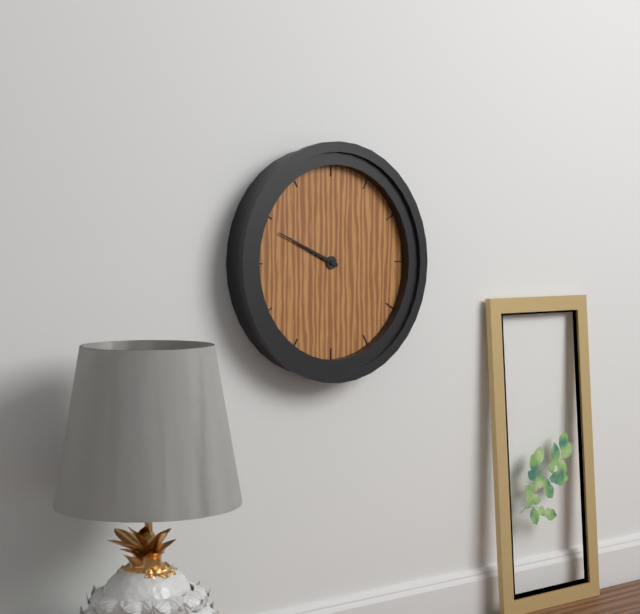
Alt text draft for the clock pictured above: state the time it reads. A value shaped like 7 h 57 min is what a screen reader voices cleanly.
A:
9 h 49 min
